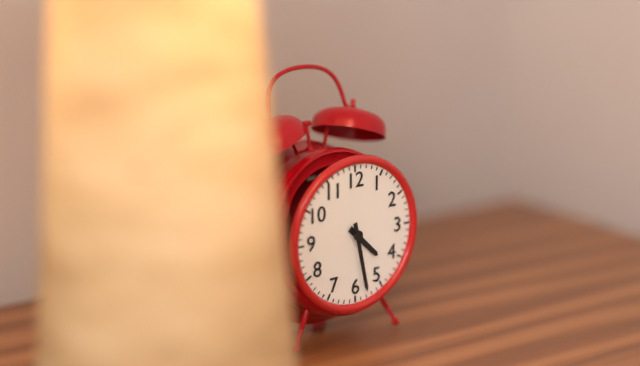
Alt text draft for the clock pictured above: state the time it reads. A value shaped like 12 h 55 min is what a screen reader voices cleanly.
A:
4 h 28 min
